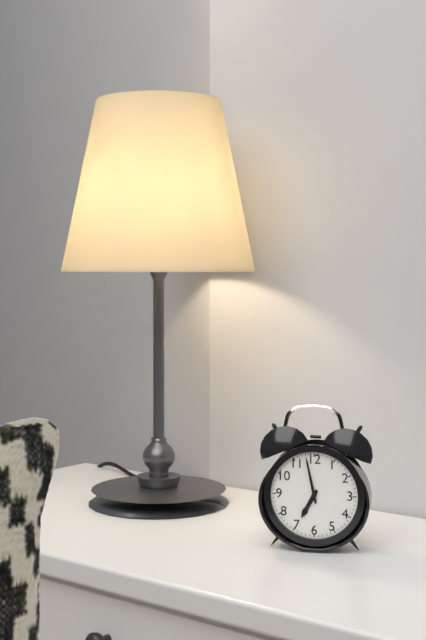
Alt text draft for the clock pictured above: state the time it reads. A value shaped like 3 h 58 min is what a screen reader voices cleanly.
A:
6 h 58 min
